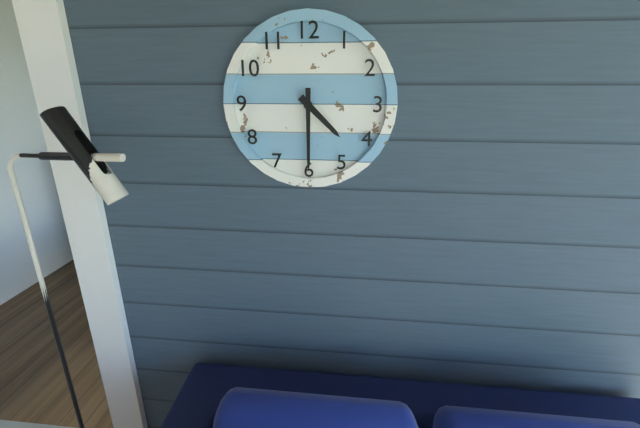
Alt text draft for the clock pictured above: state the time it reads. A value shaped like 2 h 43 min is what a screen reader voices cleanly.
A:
4 h 30 min
